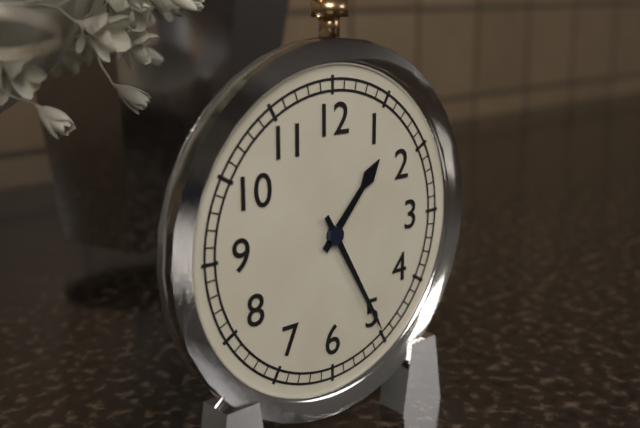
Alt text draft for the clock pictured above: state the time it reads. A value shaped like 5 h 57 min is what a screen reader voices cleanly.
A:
1 h 25 min
